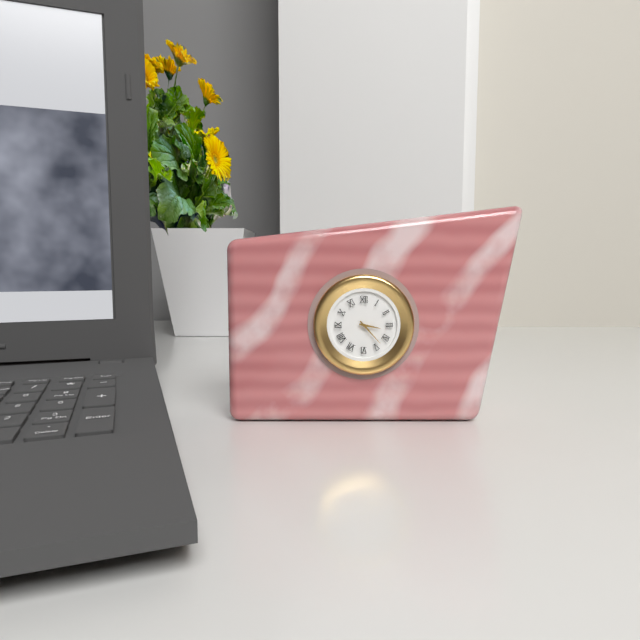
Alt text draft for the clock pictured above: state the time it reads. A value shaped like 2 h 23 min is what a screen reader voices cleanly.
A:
3 h 23 min
